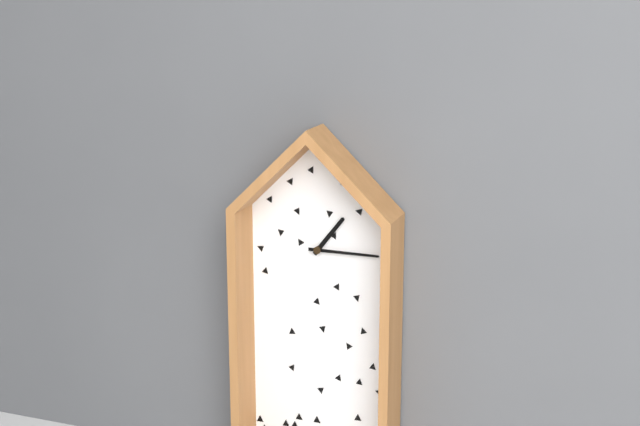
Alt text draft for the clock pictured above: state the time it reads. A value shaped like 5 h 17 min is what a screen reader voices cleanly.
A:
1 h 15 min
